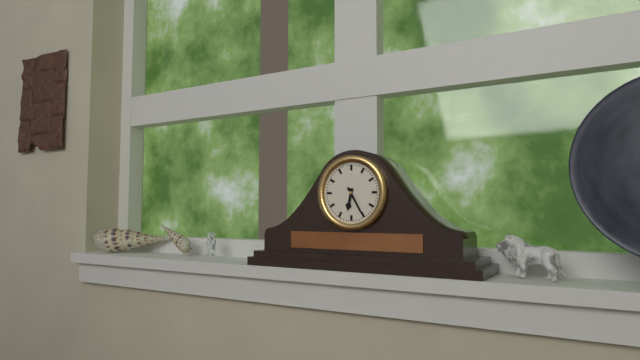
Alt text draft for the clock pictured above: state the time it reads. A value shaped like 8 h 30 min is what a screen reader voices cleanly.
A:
6 h 25 min
